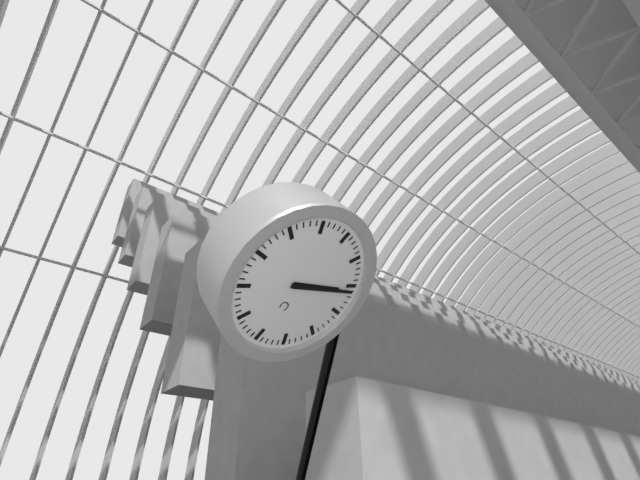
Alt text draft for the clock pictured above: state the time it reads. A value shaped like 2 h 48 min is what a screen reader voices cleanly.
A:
2 h 11 min
